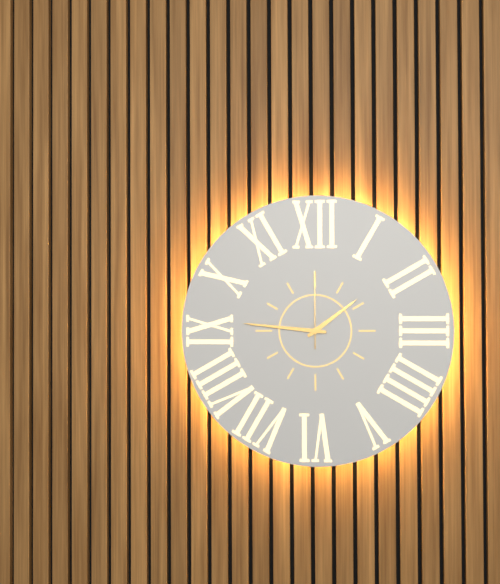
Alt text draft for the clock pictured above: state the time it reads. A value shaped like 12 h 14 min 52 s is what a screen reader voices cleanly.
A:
1 h 46 min 00 s
